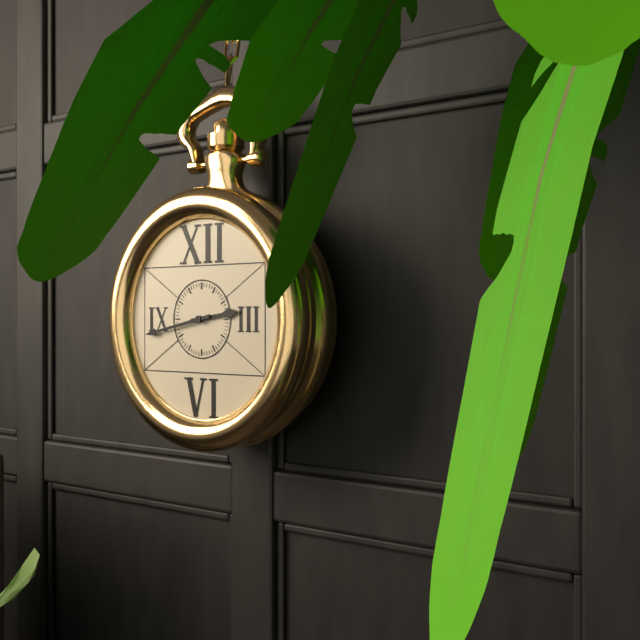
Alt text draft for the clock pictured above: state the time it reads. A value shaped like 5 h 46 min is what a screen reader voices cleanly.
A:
2 h 43 min
